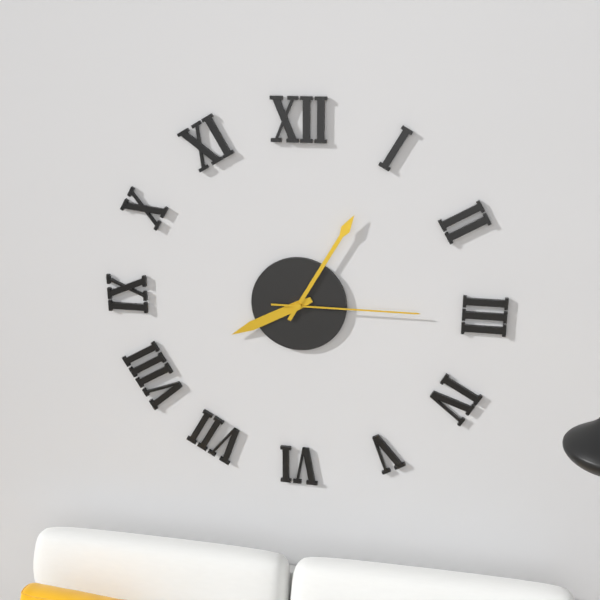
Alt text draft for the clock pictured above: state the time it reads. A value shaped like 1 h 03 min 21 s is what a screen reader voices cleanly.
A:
8 h 05 min 15 s
